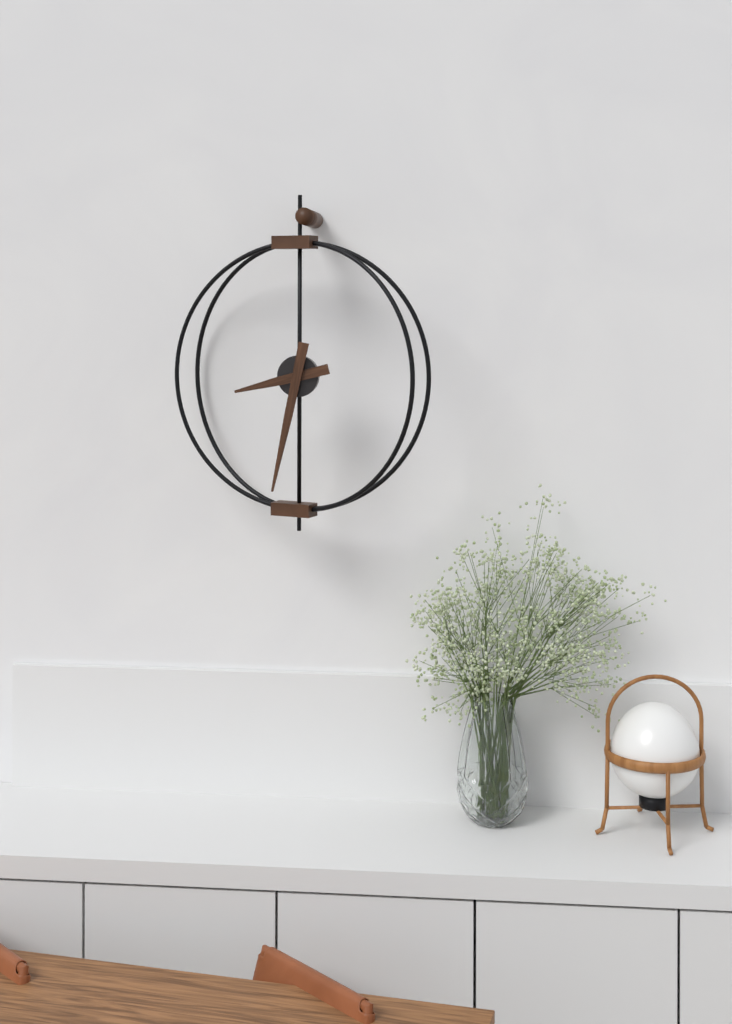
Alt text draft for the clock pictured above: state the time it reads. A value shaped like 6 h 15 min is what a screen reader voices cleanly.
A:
8 h 32 min
